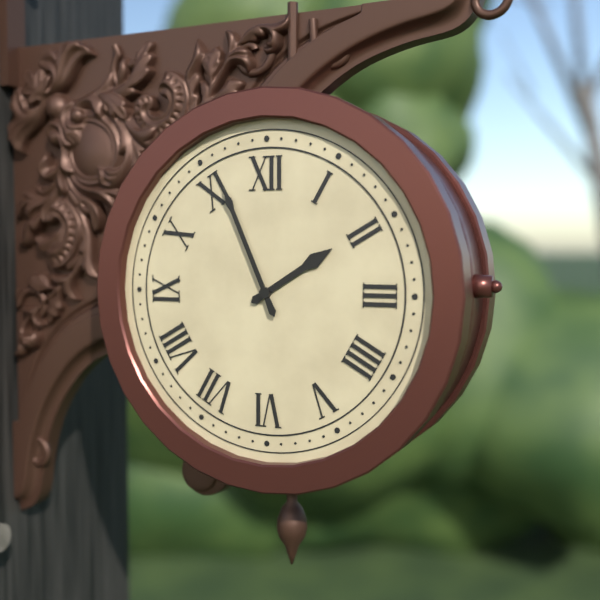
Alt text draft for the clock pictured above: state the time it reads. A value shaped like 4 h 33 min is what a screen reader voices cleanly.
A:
1 h 56 min
